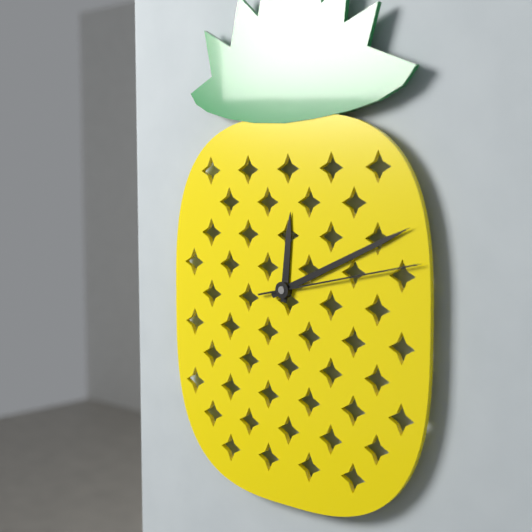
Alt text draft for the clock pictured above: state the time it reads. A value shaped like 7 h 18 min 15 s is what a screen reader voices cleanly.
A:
12 h 11 min 13 s
